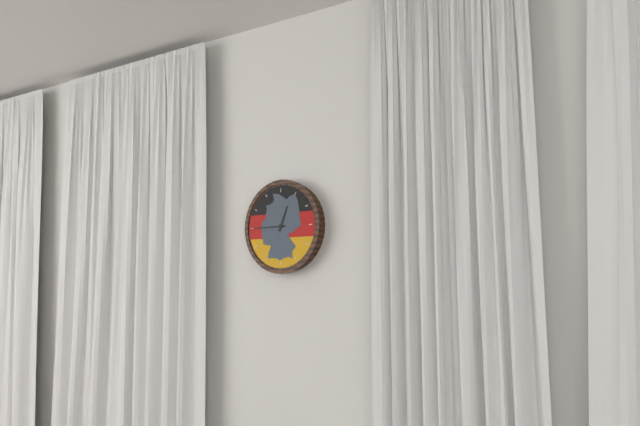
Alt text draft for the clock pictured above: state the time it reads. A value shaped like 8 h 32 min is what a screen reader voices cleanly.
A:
12 h 45 min
